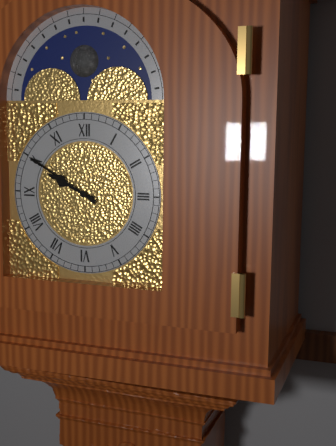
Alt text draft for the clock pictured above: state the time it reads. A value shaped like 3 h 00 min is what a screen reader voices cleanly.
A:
9 h 50 min
